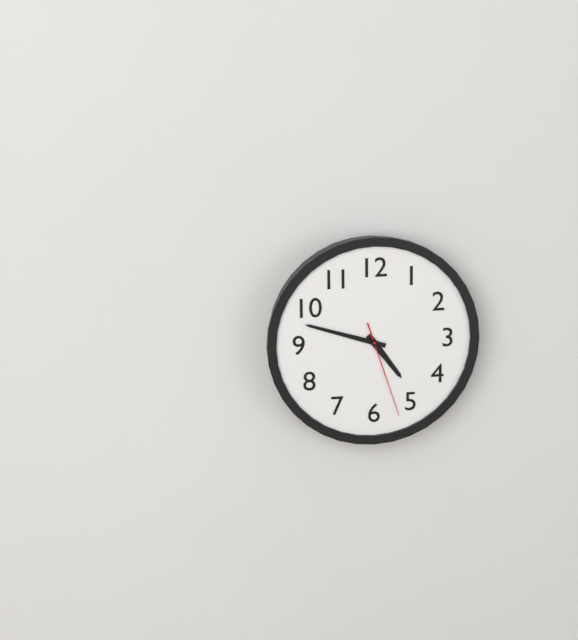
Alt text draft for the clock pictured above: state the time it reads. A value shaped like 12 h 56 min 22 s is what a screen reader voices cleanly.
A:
4 h 48 min 27 s
